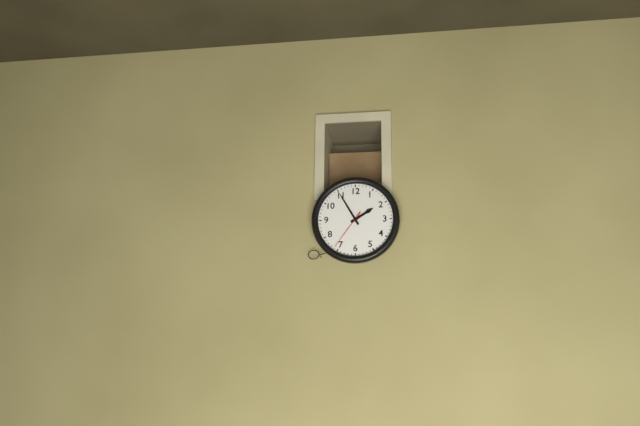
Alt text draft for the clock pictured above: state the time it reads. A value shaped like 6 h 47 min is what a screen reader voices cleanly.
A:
1 h 55 min
